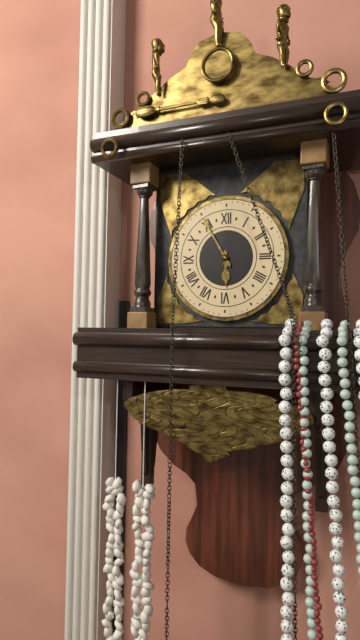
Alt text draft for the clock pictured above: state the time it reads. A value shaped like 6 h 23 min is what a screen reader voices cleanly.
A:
5 h 55 min
